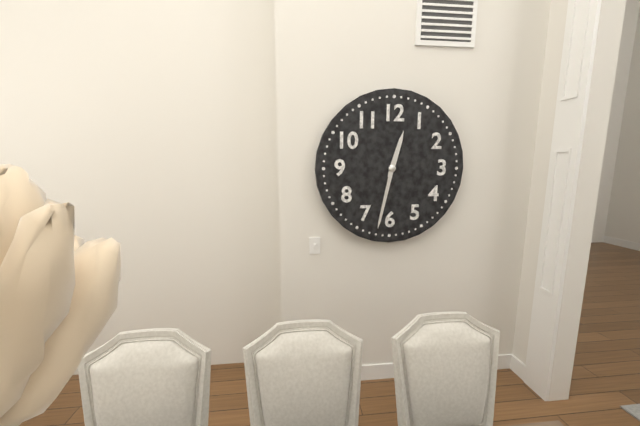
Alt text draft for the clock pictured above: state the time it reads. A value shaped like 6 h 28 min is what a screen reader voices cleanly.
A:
12 h 32 min
